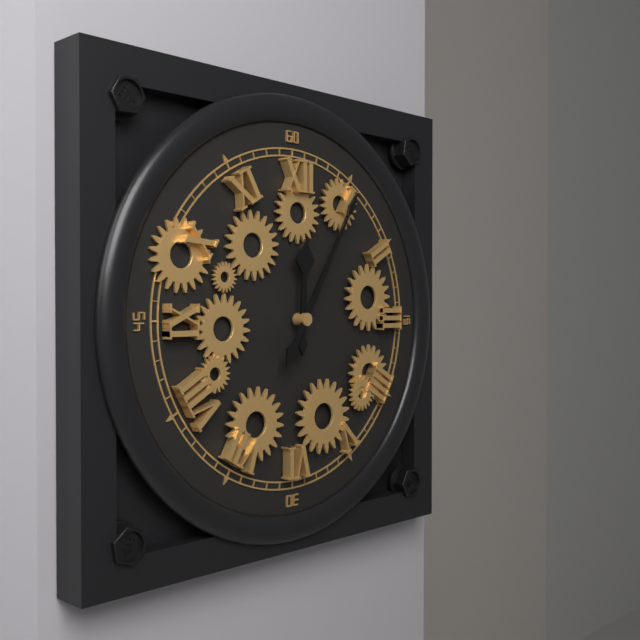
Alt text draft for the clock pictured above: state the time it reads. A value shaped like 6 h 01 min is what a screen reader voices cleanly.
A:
12 h 05 min
